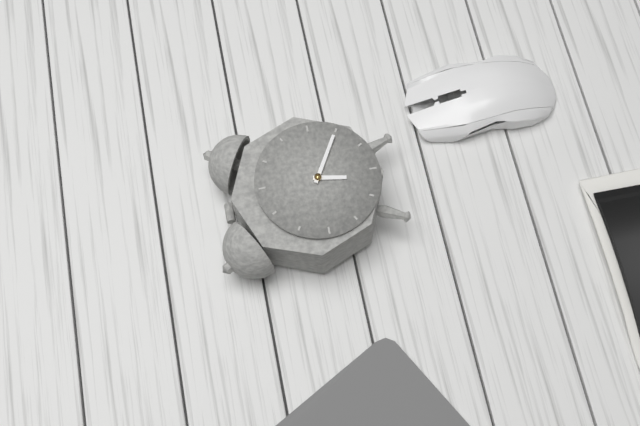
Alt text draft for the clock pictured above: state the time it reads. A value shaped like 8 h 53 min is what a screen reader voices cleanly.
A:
6 h 20 min
